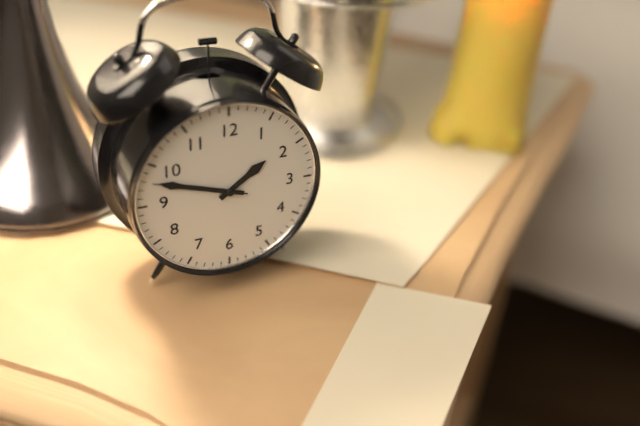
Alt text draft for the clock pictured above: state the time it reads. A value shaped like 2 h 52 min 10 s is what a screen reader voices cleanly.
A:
1 h 48 min 48 s
